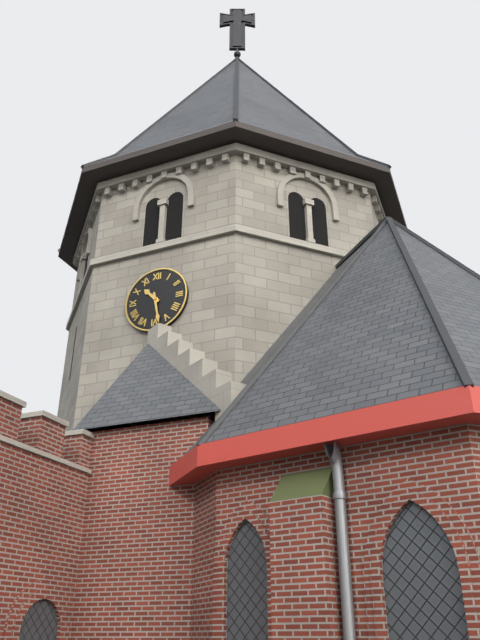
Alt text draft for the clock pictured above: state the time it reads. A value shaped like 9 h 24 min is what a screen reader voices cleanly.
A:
10 h 28 min
